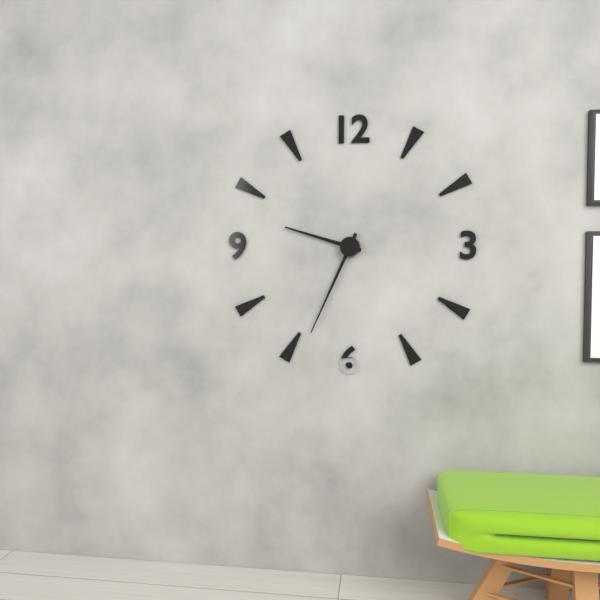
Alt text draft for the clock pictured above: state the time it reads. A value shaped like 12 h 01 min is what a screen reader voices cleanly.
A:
9 h 34 min
